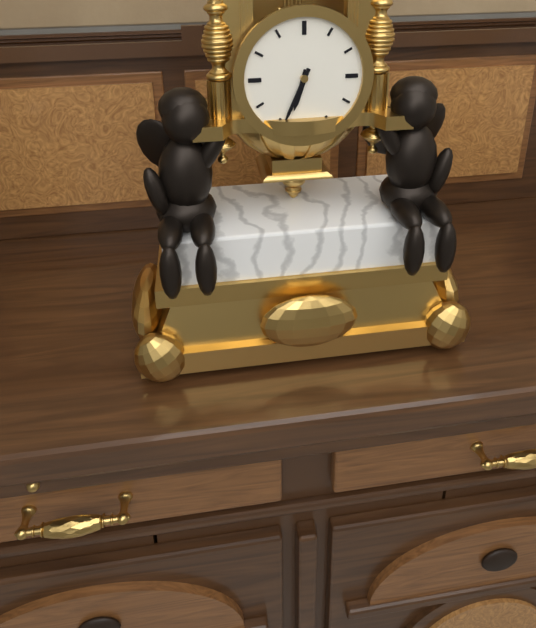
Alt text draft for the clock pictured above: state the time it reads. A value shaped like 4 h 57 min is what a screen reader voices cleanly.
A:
6 h 34 min
